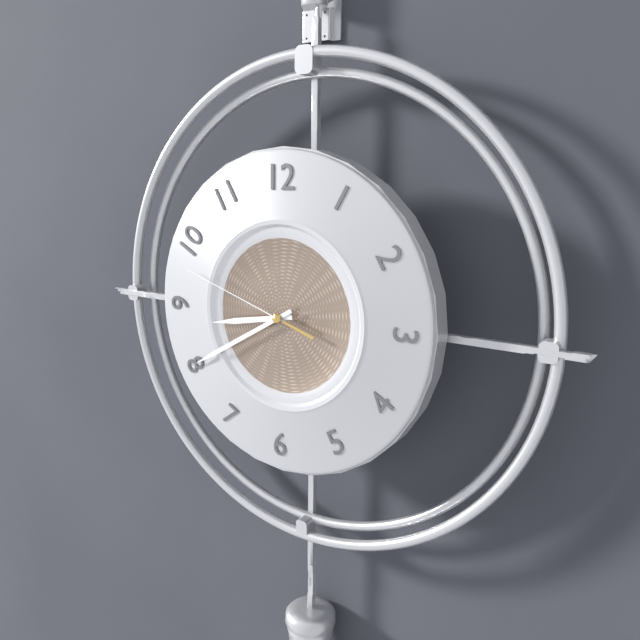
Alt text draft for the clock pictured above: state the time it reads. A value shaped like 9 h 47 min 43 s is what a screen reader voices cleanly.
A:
8 h 40 min 48 s
